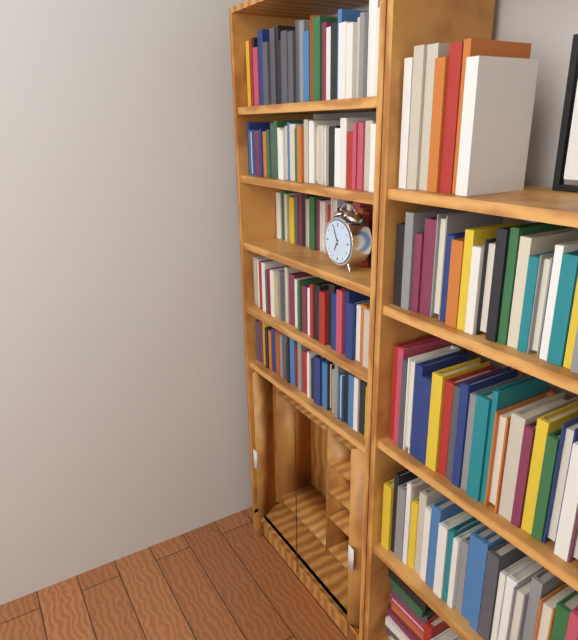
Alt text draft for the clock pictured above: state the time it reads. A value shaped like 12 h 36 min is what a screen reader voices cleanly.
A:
6 h 56 min
